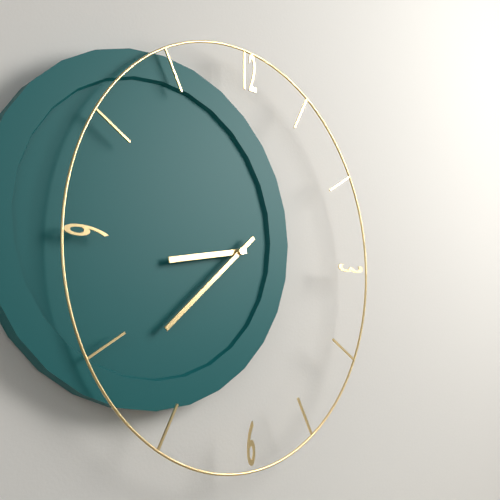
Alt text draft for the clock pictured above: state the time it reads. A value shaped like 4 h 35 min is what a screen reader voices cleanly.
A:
8 h 38 min
